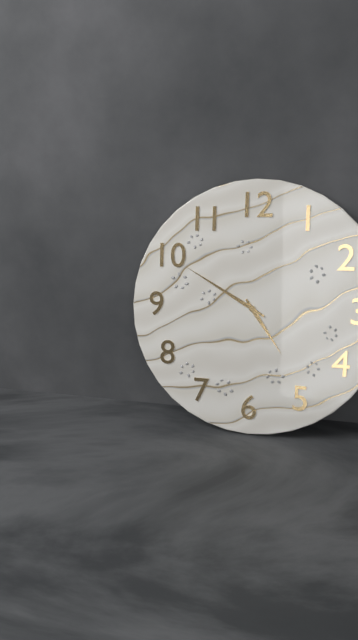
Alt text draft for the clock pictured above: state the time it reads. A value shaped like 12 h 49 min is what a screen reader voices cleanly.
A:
4 h 50 min
